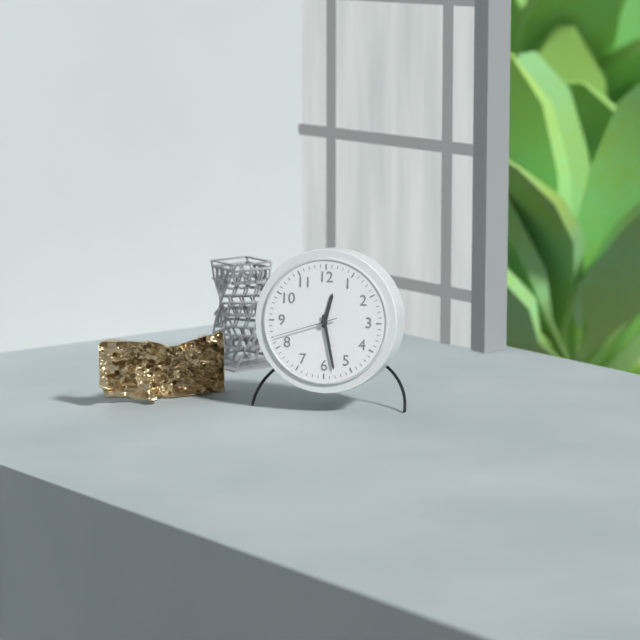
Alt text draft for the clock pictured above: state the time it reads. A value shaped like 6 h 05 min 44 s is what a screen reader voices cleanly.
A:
12 h 28 min 42 s
